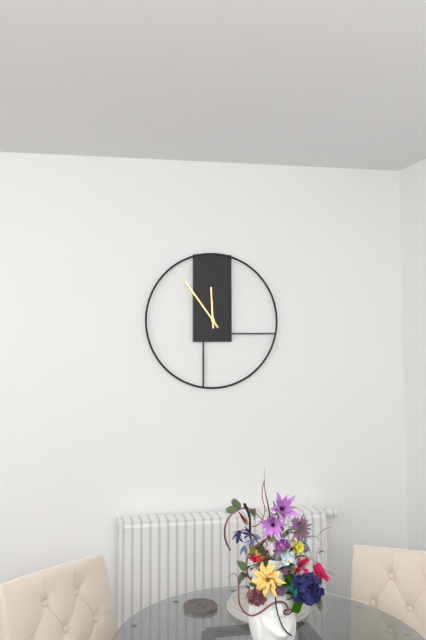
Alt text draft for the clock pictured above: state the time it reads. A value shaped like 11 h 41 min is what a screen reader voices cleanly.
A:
11 h 54 min
